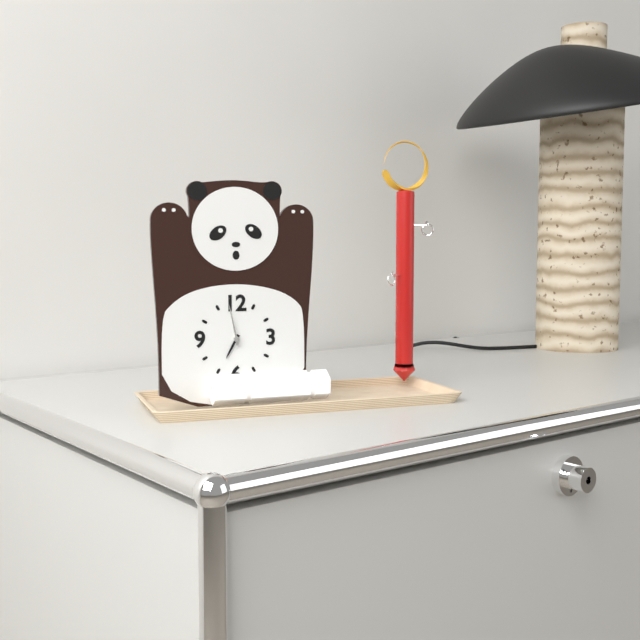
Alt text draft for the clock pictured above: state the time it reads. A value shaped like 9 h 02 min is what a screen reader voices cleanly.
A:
6 h 58 min
